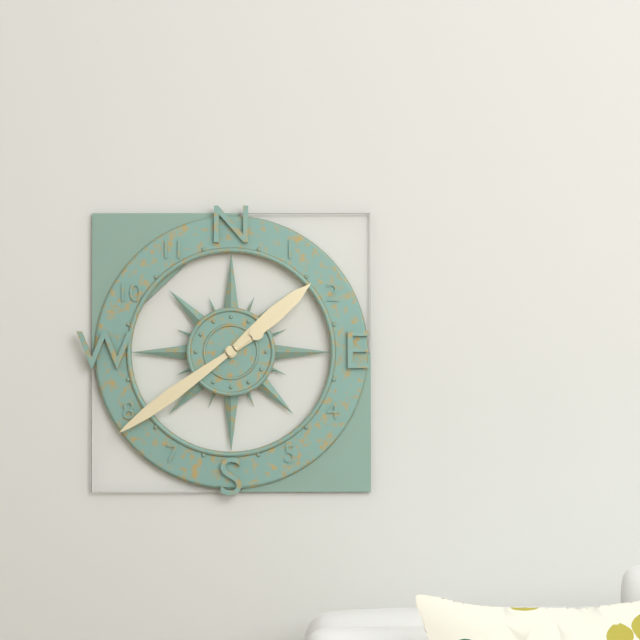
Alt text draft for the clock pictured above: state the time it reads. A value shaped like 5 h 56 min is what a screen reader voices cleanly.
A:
1 h 39 min
